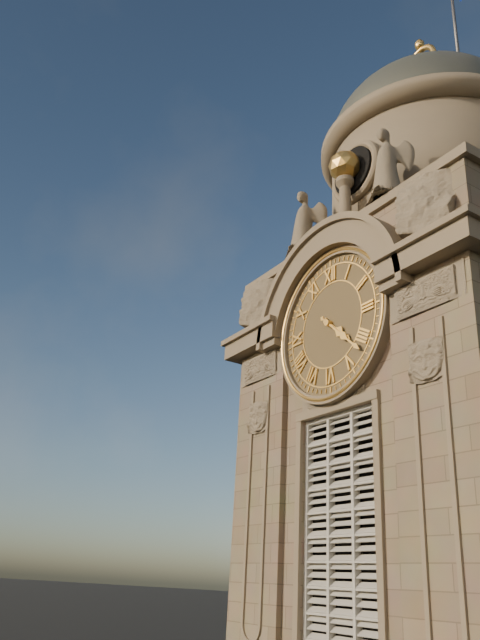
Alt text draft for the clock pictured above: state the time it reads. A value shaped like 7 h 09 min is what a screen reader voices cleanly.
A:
4 h 22 min
